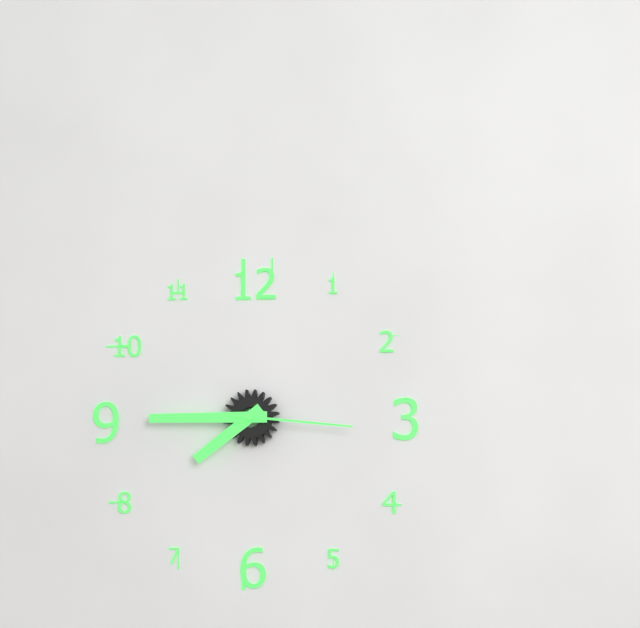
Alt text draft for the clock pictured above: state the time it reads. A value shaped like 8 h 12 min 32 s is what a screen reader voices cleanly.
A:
7 h 45 min 16 s
